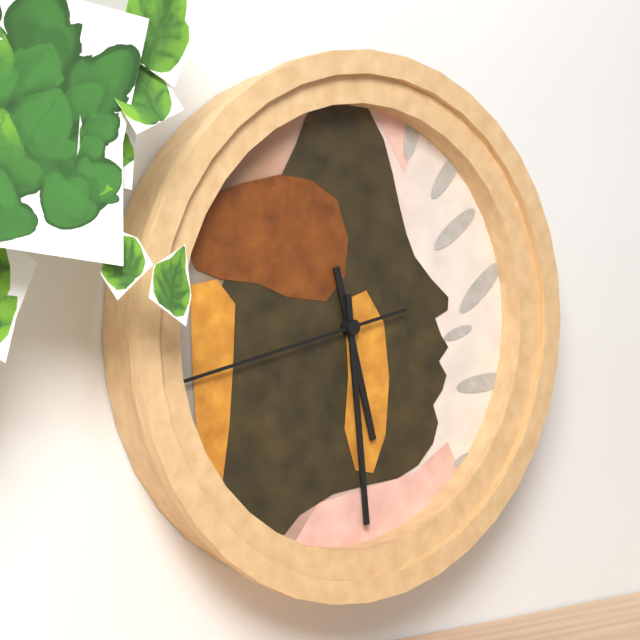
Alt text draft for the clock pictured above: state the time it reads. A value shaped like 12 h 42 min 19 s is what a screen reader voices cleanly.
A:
5 h 29 min 43 s
